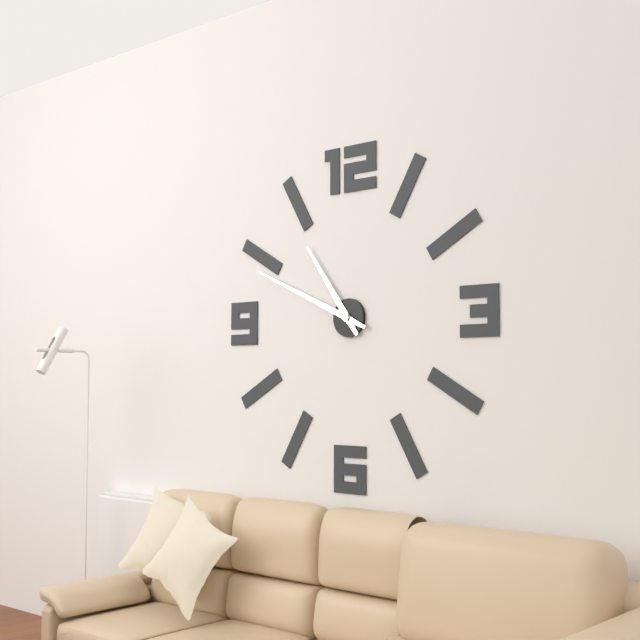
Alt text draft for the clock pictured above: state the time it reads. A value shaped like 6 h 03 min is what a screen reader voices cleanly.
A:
10 h 49 min
